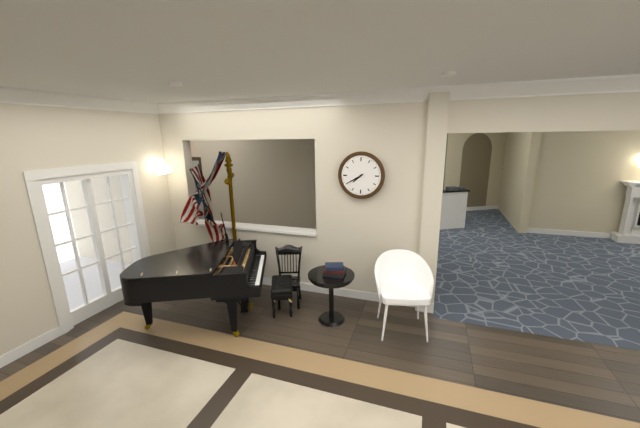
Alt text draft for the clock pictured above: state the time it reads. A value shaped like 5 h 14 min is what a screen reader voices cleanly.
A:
7 h 40 min
